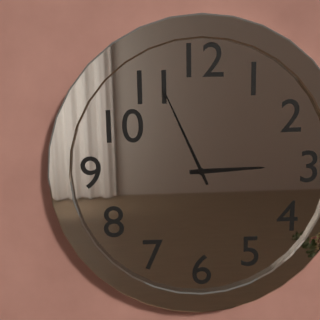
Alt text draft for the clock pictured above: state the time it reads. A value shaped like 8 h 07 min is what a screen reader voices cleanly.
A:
2 h 56 min
